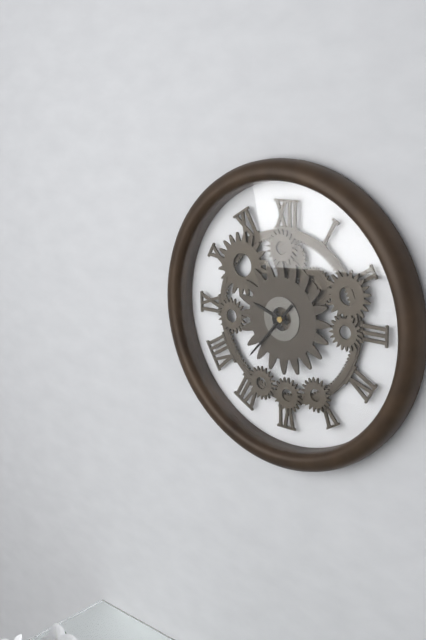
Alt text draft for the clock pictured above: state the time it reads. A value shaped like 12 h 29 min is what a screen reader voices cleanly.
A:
9 h 37 min
